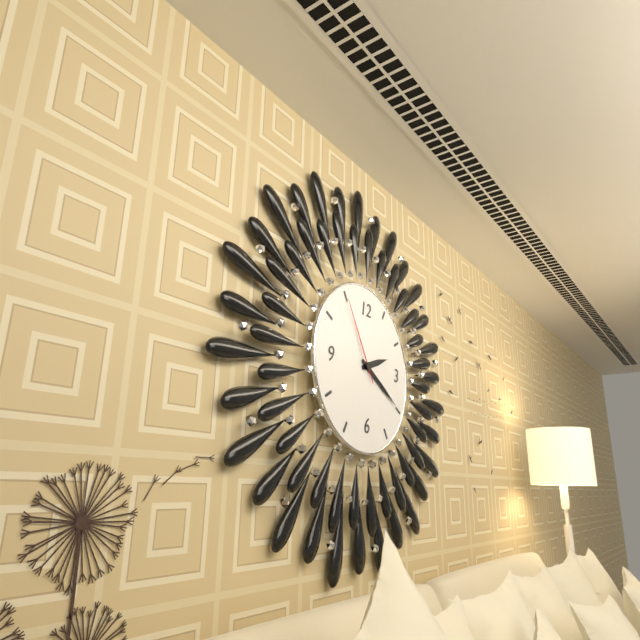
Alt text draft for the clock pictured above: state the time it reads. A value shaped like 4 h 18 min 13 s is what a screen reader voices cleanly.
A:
2 h 20 min 55 s
